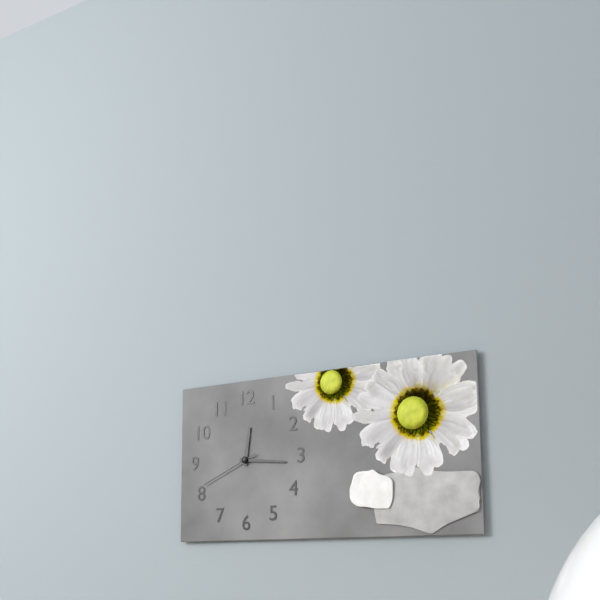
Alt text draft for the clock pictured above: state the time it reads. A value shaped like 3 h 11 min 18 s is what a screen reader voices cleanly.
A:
12 h 16 min 41 s
